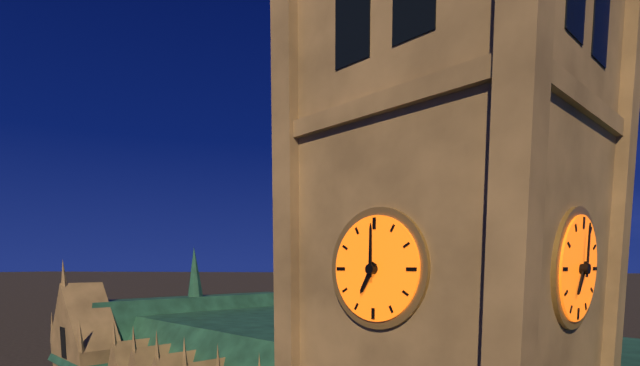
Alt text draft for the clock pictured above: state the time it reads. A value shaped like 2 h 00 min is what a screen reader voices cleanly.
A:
7 h 00 min
